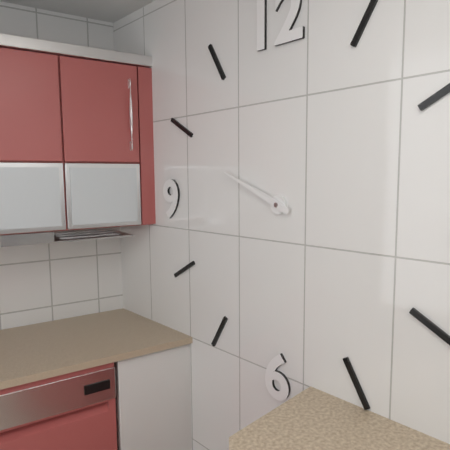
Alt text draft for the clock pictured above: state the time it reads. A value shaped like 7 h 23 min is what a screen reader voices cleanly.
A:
9 h 49 min
